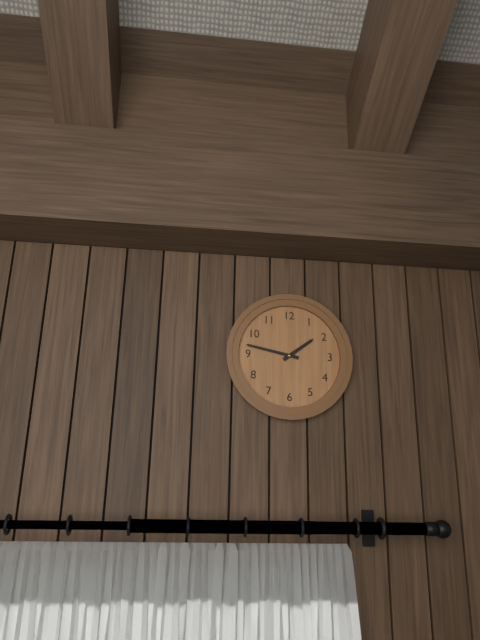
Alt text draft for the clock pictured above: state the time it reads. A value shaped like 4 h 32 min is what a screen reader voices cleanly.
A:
1 h 47 min
